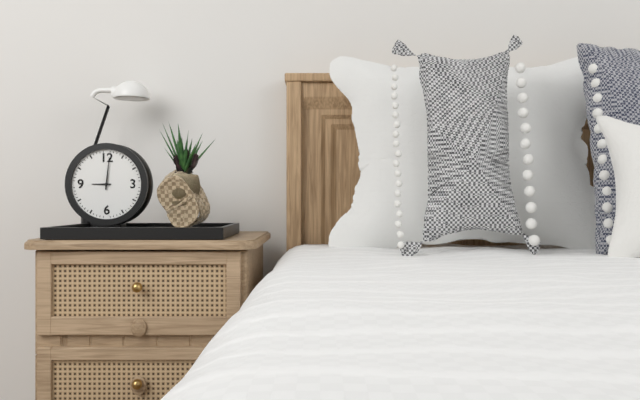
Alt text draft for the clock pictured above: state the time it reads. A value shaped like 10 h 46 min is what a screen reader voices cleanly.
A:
9 h 01 min
